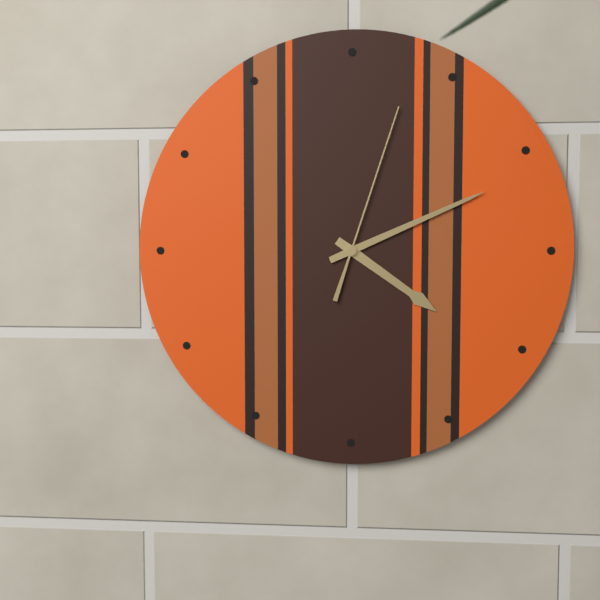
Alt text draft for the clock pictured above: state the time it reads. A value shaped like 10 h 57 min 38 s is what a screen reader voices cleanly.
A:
4 h 11 min 03 s
